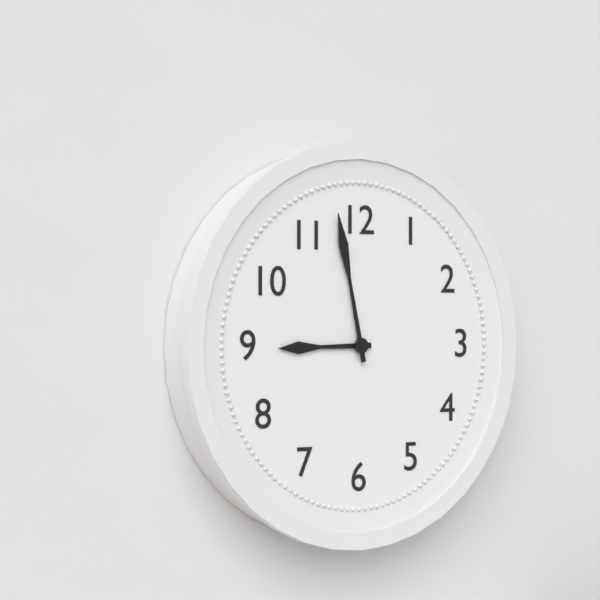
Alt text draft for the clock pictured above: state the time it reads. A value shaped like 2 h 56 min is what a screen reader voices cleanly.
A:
8 h 58 min
